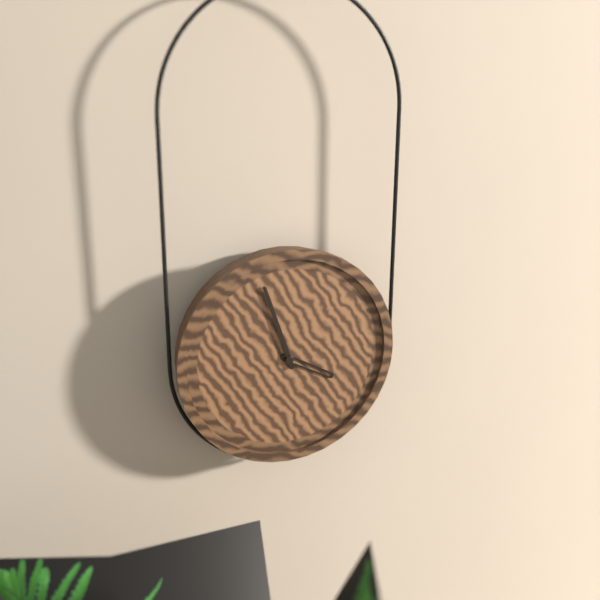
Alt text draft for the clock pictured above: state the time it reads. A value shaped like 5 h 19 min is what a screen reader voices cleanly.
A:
3 h 57 min
